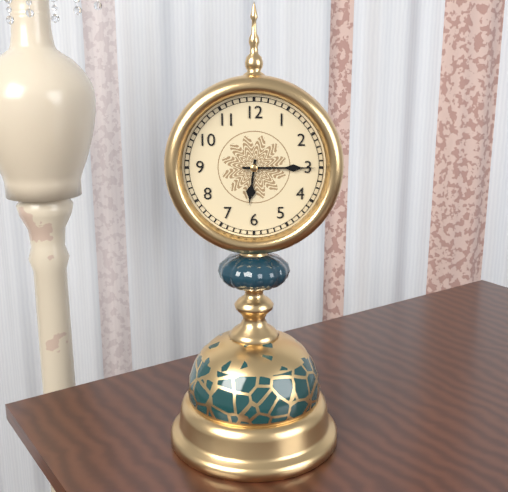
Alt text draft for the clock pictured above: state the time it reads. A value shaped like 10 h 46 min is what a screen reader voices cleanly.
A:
6 h 15 min
